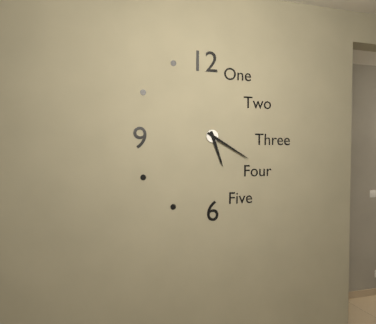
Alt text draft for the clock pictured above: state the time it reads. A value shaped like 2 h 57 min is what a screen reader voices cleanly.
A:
5 h 20 min
